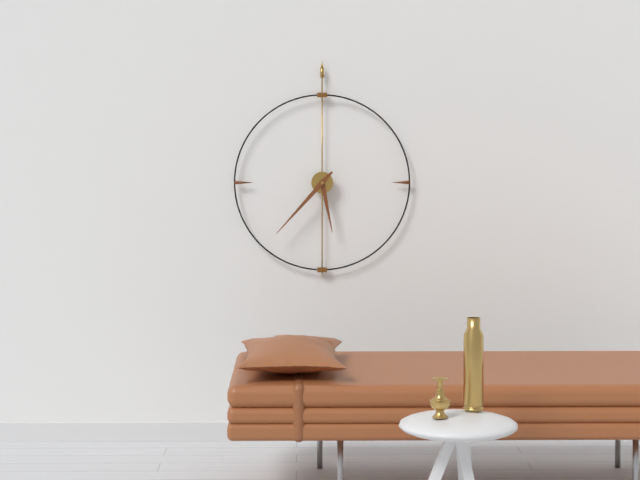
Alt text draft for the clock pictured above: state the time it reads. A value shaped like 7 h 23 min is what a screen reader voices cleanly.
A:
5 h 37 min
